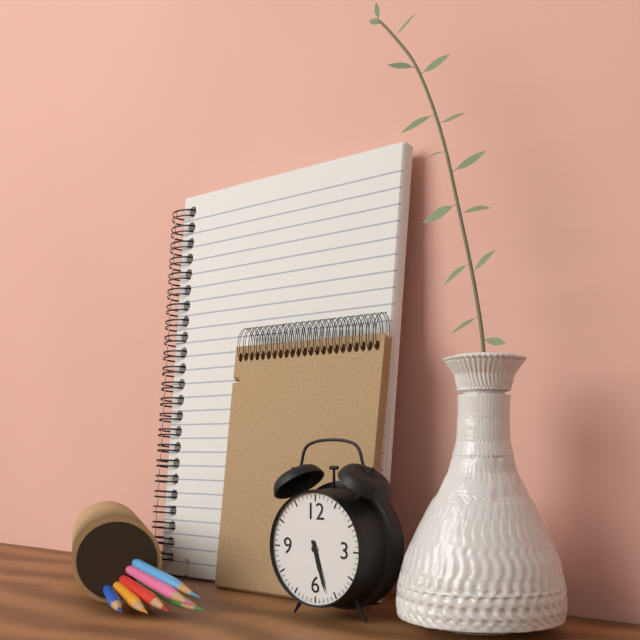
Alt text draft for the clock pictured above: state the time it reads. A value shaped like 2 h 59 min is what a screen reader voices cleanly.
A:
5 h 27 min
